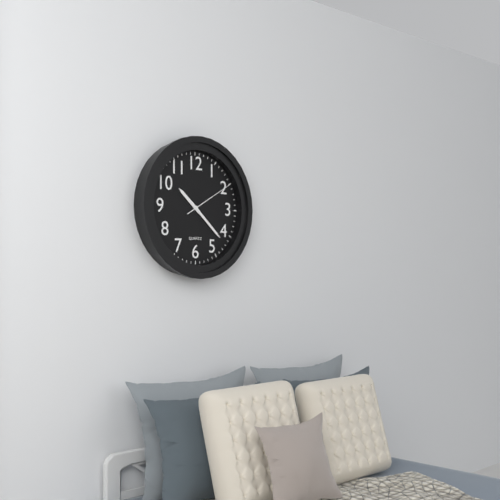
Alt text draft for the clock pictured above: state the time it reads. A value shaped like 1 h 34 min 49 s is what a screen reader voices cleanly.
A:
10 h 22 min 10 s
